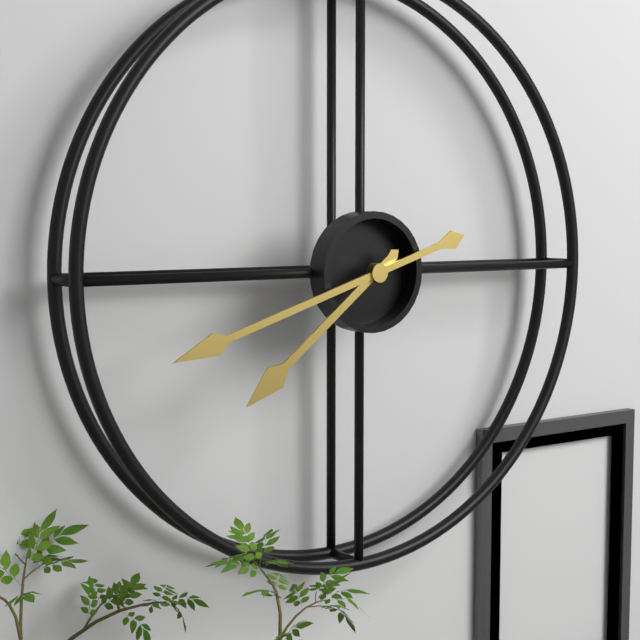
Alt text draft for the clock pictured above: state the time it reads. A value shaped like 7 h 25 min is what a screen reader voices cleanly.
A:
7 h 42 min
